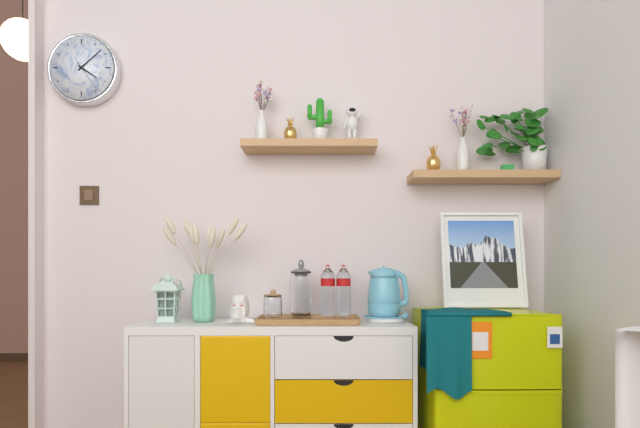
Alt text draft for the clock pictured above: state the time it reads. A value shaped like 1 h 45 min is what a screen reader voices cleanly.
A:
4 h 08 min
